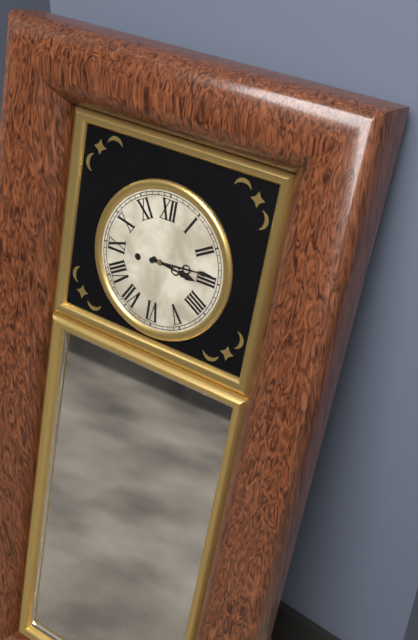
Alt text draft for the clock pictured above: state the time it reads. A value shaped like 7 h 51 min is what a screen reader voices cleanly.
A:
3 h 14 min
